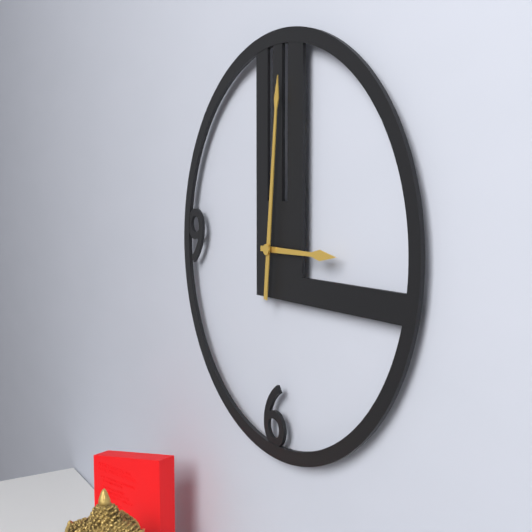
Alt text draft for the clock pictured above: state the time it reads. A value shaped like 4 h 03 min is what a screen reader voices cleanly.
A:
3 h 01 min
